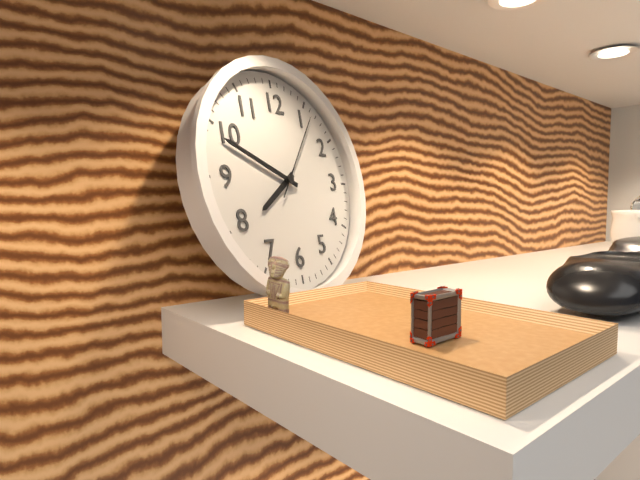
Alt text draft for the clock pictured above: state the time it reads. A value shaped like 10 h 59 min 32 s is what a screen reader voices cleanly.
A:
7 h 49 min 06 s
